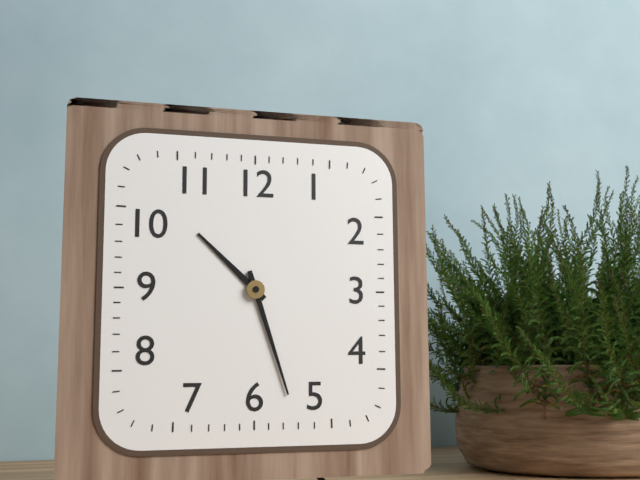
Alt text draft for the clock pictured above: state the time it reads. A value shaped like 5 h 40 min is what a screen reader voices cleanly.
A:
10 h 27 min
